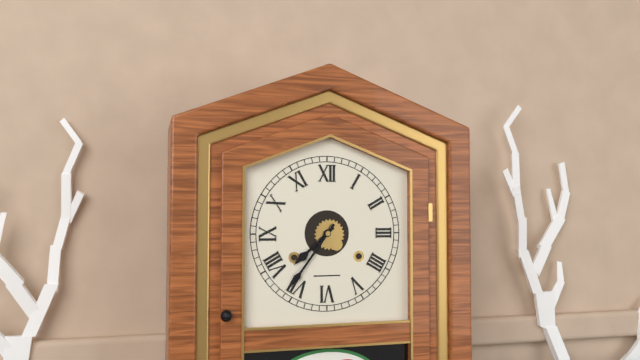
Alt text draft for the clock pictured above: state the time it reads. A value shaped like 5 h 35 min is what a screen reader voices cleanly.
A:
7 h 36 min
